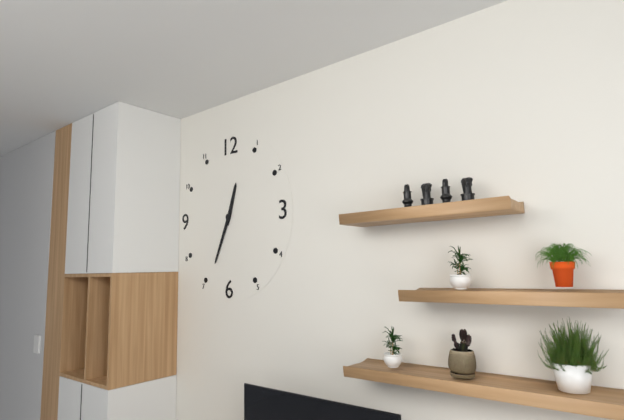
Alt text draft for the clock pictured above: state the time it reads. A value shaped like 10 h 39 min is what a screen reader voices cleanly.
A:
12 h 34 min
